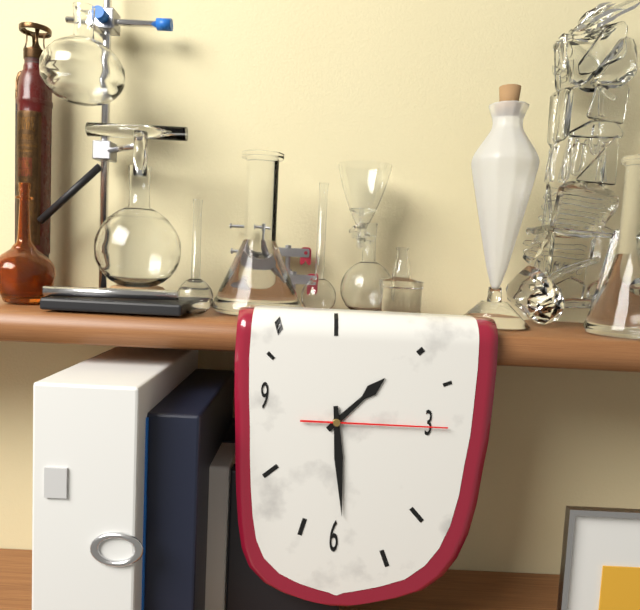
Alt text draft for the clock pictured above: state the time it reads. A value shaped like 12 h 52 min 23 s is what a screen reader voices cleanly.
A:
1 h 29 min 15 s
